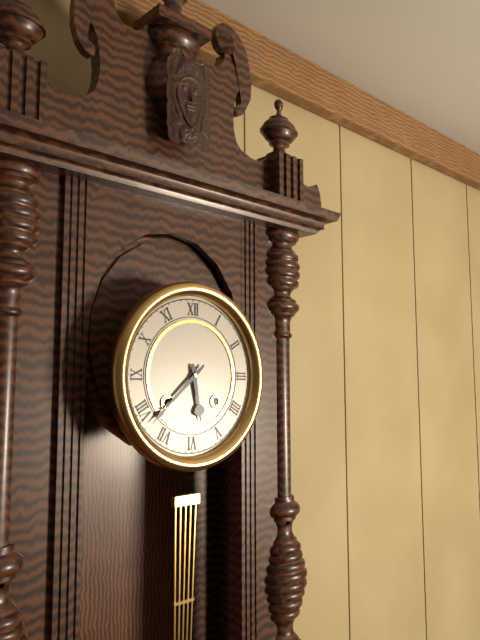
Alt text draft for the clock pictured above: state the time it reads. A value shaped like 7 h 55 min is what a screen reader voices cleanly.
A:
5 h 38 min
